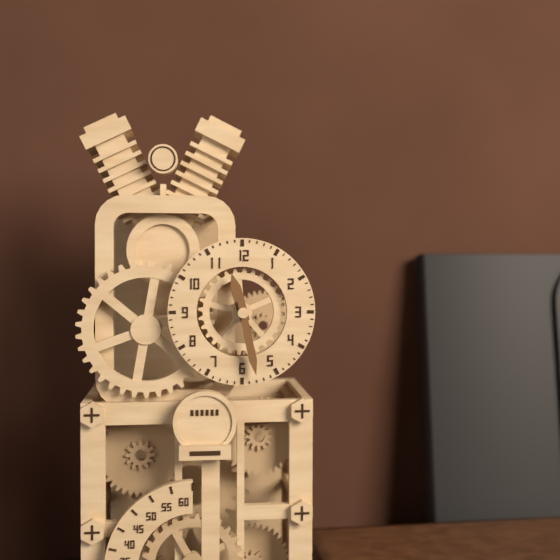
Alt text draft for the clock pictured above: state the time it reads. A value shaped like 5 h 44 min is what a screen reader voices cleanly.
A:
11 h 28 min
